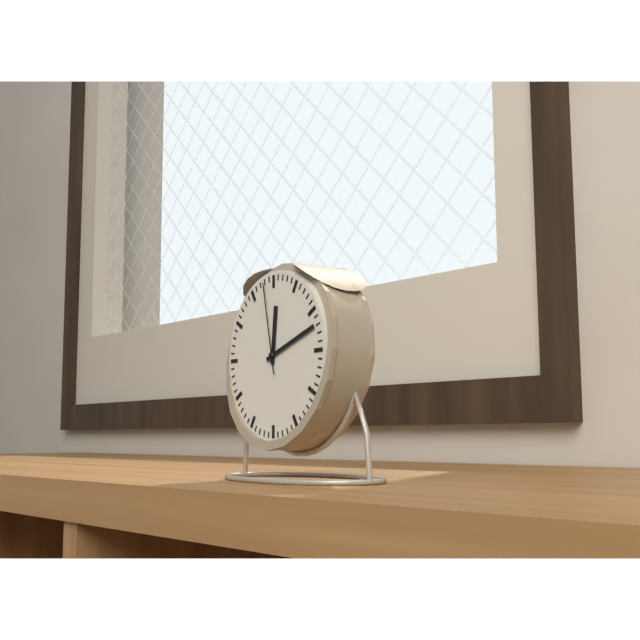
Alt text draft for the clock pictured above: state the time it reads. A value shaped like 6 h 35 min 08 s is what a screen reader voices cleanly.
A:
12 h 12 min 58 s
